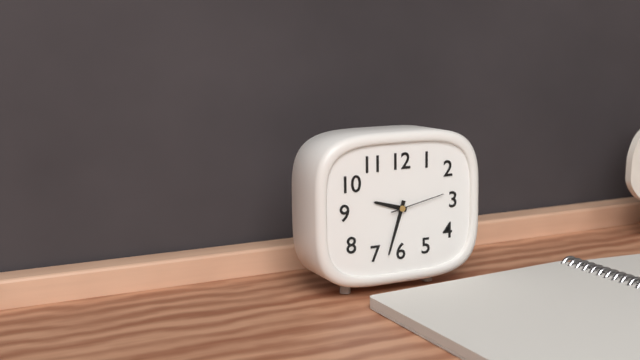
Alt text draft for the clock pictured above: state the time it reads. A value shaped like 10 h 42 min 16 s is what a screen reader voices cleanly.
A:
9 h 33 min 13 s
